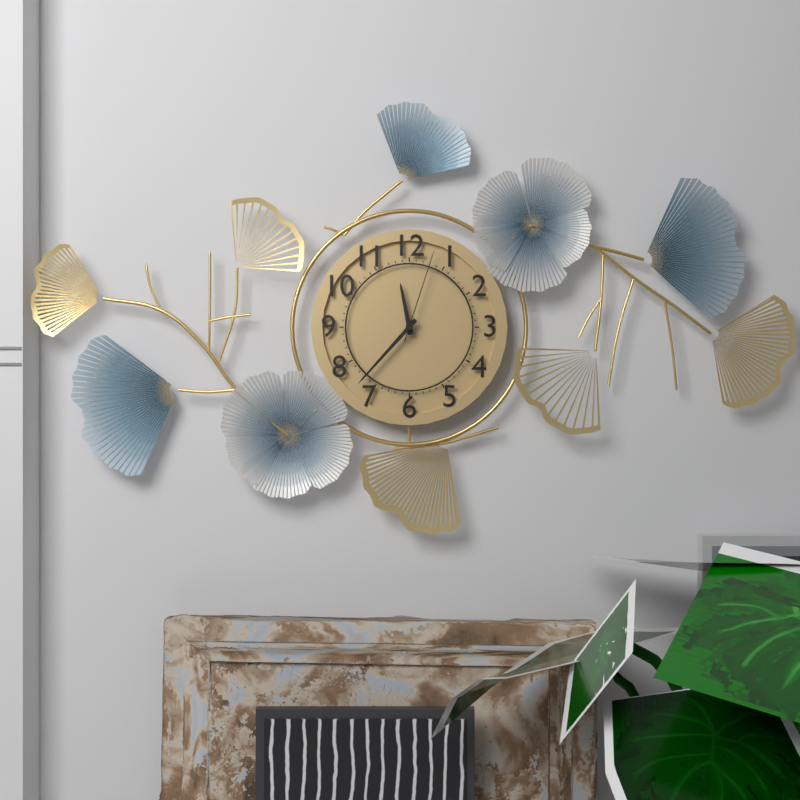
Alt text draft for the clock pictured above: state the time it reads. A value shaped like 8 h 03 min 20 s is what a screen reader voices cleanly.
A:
11 h 37 min 03 s
